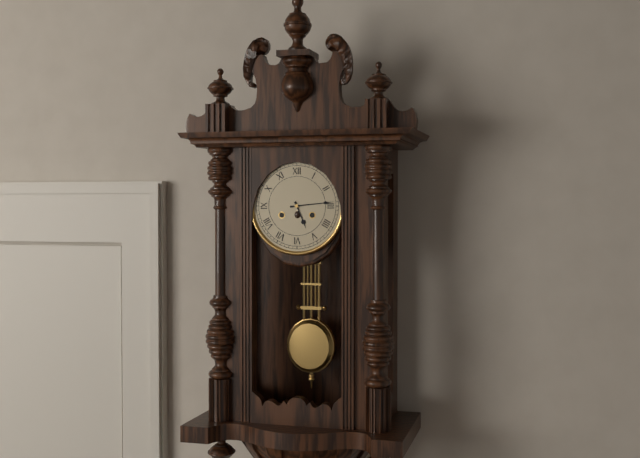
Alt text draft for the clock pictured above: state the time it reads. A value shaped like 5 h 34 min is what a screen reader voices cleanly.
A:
5 h 14 min
